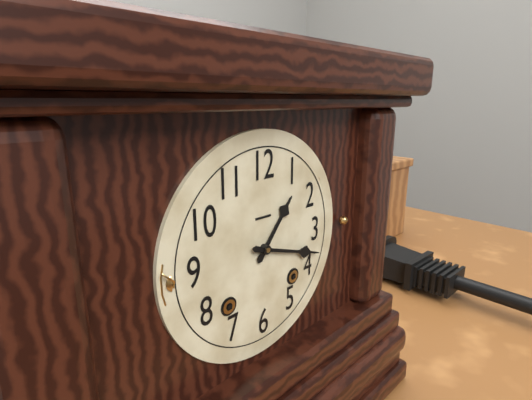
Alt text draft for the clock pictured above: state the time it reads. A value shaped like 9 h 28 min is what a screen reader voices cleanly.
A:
1 h 18 min
